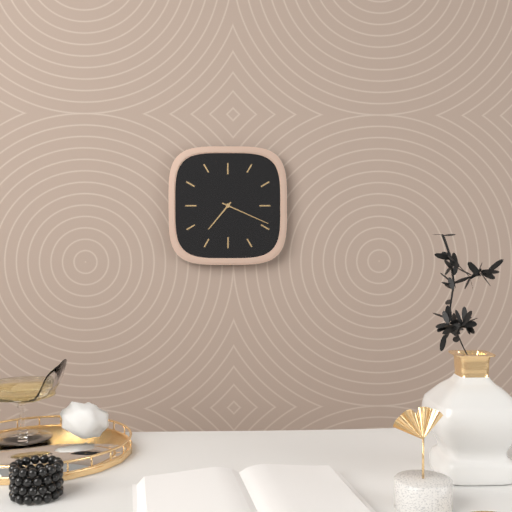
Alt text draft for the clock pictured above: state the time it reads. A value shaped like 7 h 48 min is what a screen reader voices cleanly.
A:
7 h 19 min
